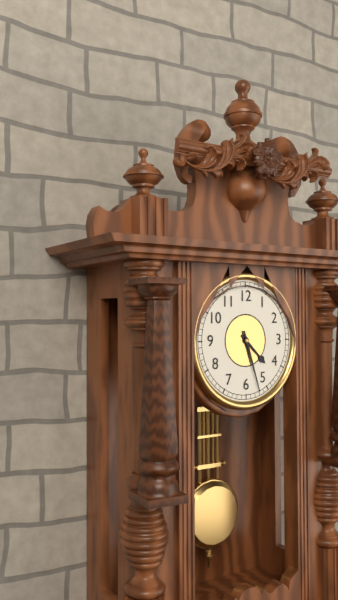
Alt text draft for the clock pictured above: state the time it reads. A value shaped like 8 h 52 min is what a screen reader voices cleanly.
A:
4 h 27 min
